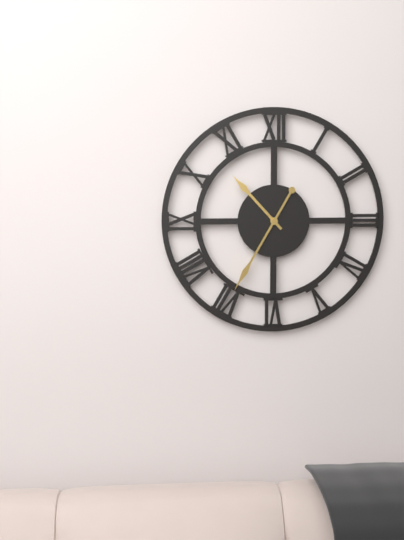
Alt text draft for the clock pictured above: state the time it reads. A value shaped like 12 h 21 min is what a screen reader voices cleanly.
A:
10 h 35 min
